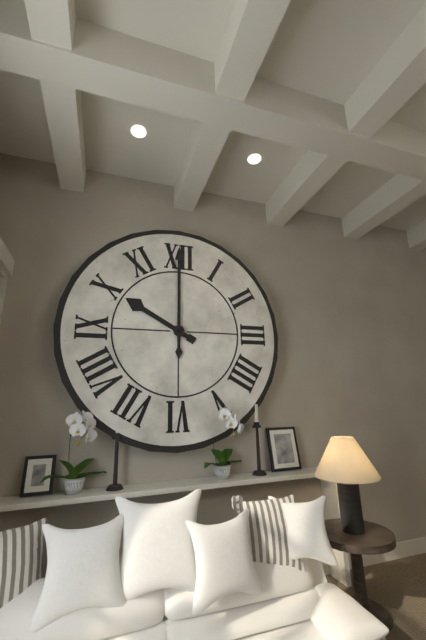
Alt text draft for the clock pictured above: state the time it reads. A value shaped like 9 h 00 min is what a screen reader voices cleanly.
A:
10 h 00 min
